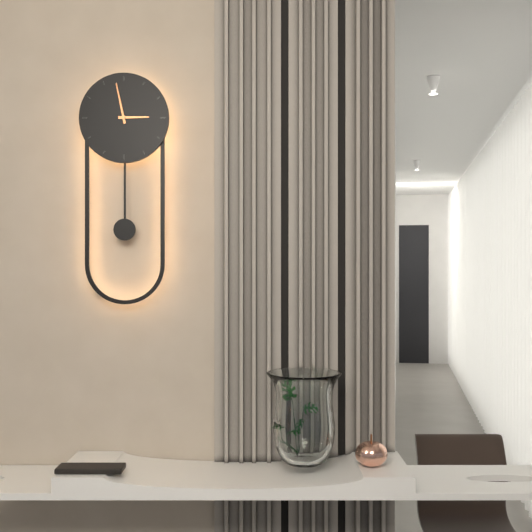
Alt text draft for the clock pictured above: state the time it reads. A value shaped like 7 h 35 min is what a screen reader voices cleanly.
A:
2 h 58 min
